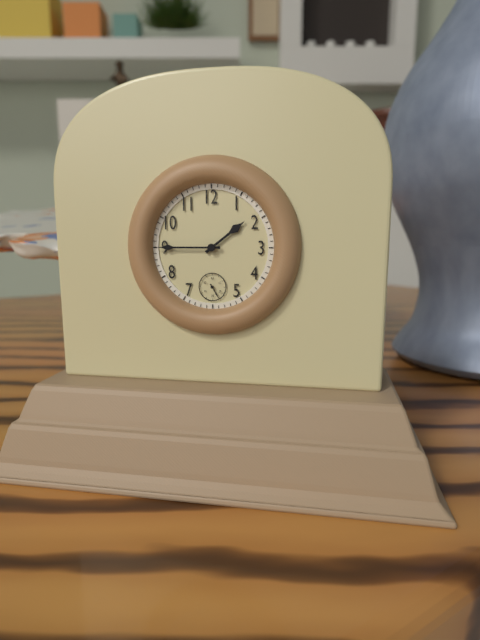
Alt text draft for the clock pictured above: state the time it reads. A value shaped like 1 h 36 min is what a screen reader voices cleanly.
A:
1 h 45 min
